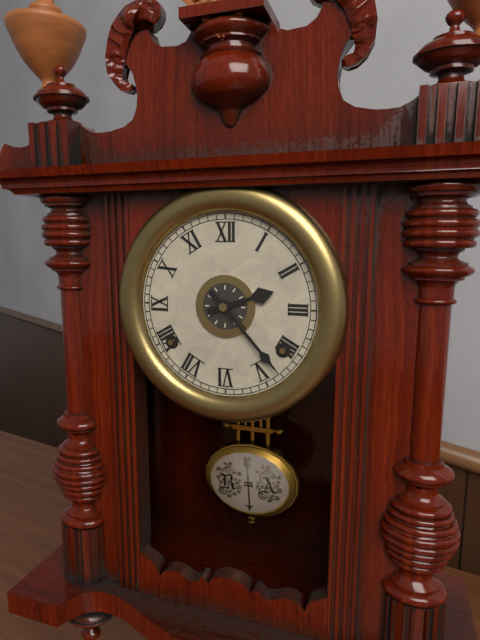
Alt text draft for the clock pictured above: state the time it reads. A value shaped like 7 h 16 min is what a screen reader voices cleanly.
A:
2 h 23 min
